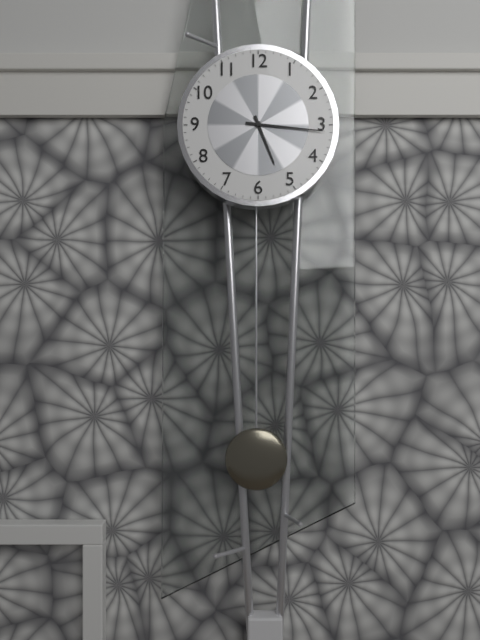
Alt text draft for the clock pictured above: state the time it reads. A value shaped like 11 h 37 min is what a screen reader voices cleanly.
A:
5 h 16 min
